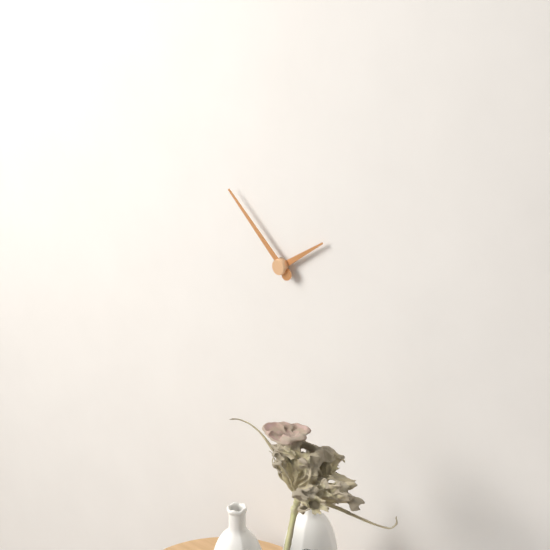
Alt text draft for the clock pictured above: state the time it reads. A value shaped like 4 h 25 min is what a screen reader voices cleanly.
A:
1 h 52 min
